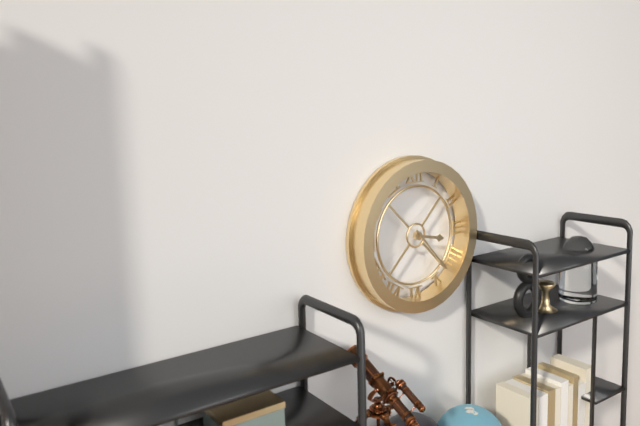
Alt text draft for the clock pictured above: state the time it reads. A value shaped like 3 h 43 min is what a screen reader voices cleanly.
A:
3 h 23 min
